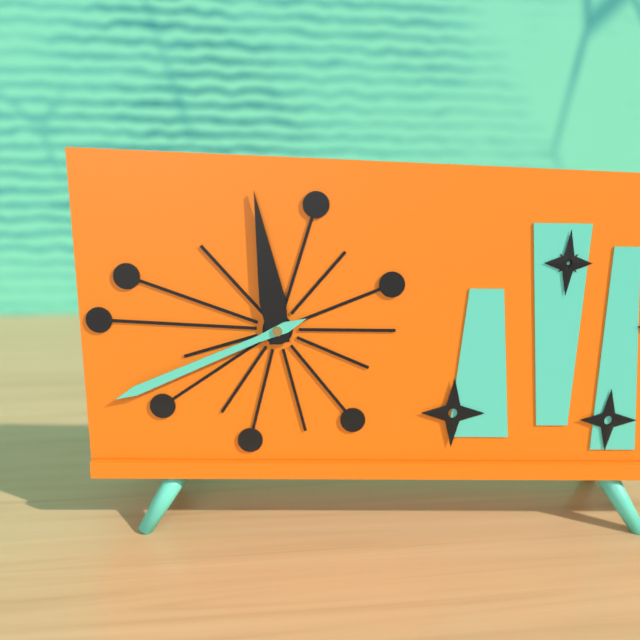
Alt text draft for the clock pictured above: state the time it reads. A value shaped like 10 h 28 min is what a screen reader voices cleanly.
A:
11 h 41 min
